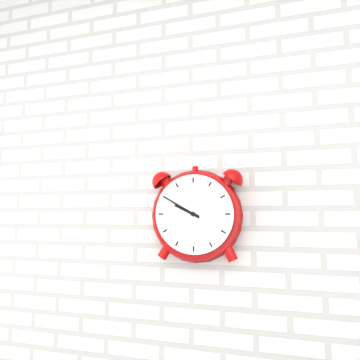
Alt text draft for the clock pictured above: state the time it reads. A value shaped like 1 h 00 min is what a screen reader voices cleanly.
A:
9 h 50 min
